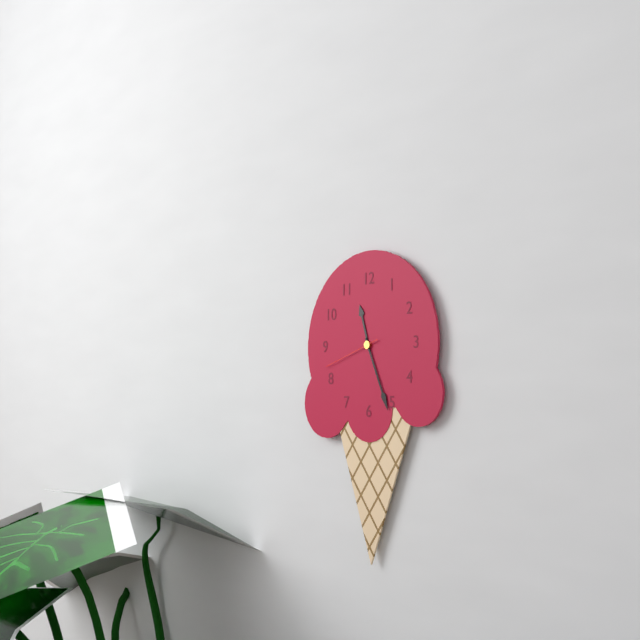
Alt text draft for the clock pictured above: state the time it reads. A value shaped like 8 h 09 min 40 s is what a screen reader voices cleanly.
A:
11 h 26 min 42 s
